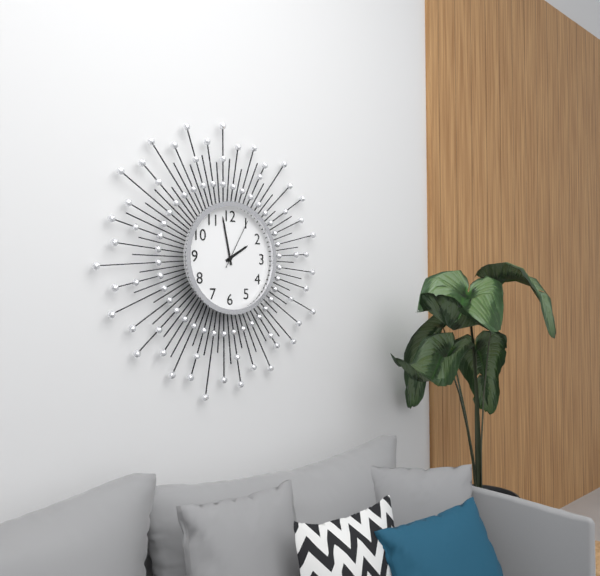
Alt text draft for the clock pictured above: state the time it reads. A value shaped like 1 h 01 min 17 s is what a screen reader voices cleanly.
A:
1 h 58 min 05 s
